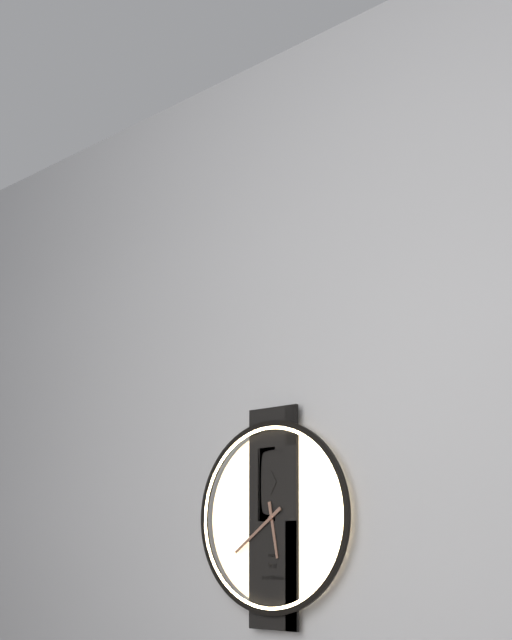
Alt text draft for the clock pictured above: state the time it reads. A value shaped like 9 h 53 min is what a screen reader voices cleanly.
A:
5 h 39 min
